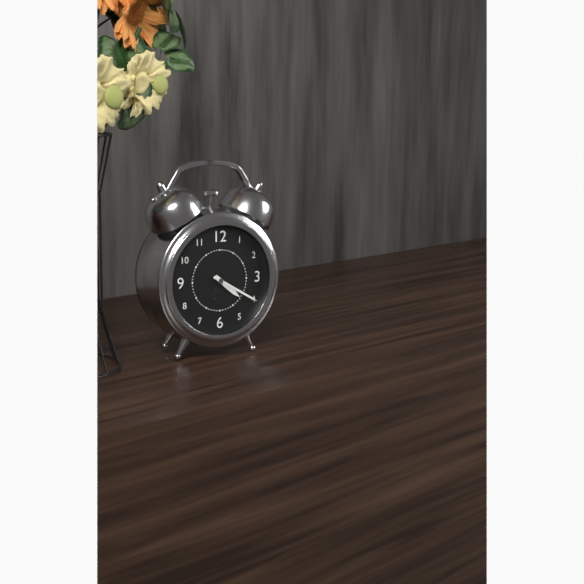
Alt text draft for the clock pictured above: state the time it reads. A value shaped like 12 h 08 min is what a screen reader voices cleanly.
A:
4 h 20 min
